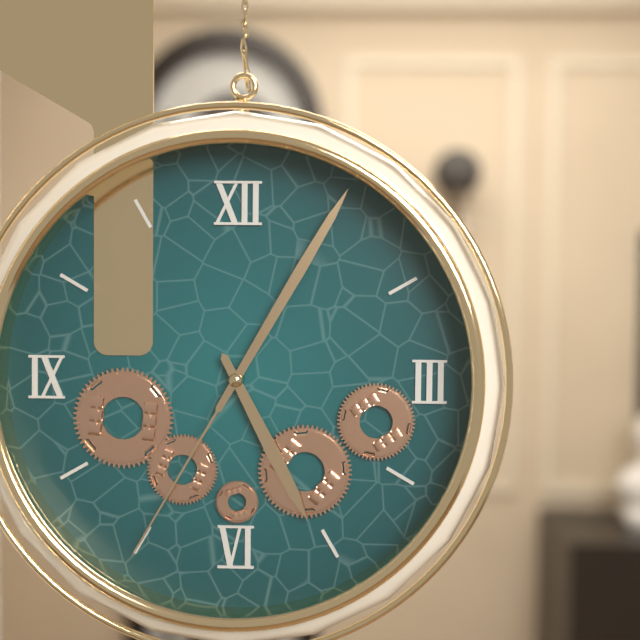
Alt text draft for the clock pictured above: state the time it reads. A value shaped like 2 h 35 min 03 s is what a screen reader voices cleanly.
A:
5 h 05 min 35 s
